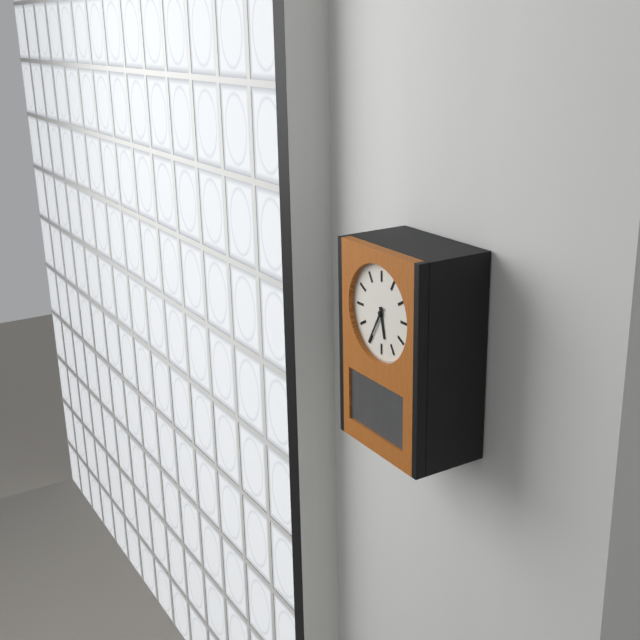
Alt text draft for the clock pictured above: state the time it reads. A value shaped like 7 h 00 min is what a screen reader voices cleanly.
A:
5 h 35 min
